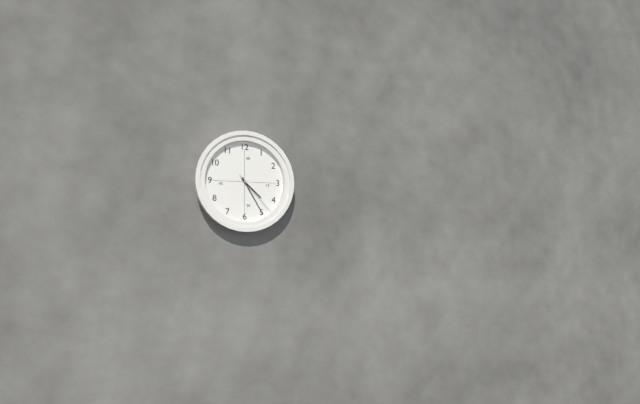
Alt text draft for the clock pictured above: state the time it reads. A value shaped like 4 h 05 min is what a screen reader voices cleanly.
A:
4 h 25 min
